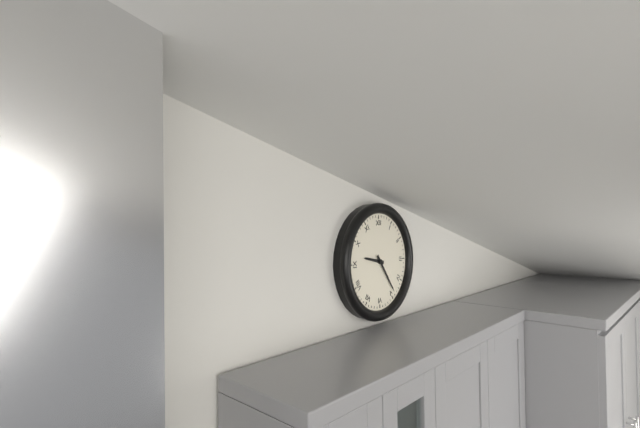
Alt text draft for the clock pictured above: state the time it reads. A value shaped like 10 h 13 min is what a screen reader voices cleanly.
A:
9 h 24 min
